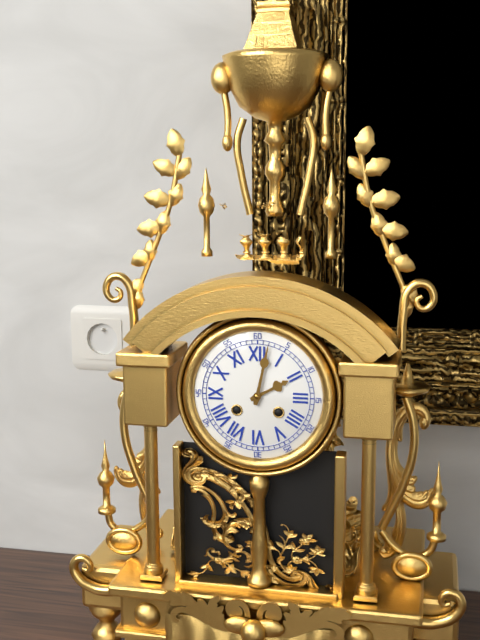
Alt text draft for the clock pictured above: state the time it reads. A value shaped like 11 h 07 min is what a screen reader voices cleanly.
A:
2 h 02 min
